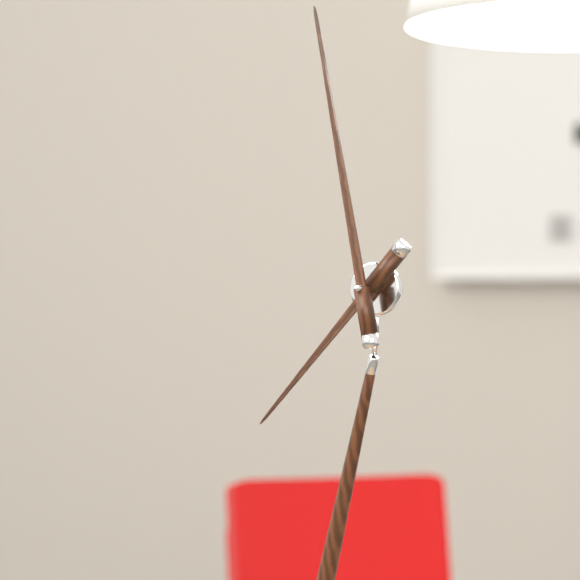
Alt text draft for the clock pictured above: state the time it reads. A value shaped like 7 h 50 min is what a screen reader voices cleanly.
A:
6 h 56 min
